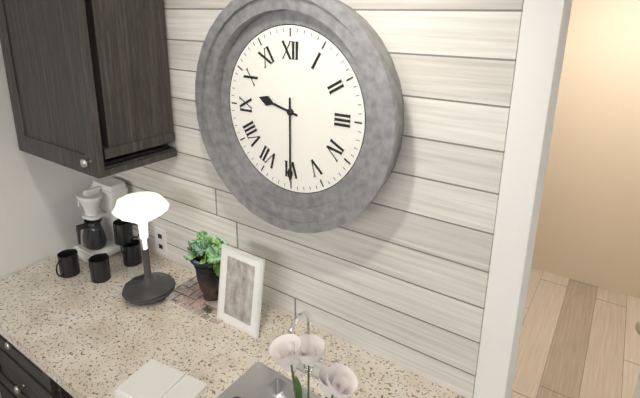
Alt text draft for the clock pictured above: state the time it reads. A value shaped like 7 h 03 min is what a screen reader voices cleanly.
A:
9 h 30 min
